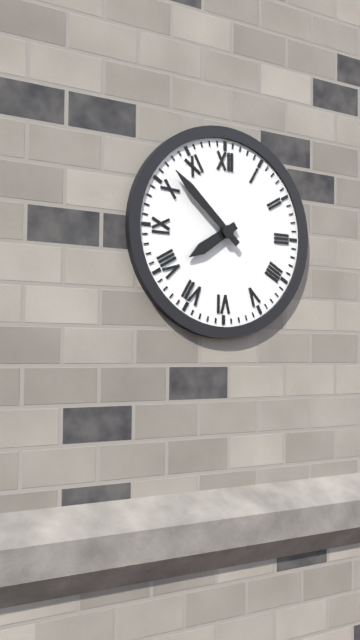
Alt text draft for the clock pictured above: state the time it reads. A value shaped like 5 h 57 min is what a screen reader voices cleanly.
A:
7 h 52 min
